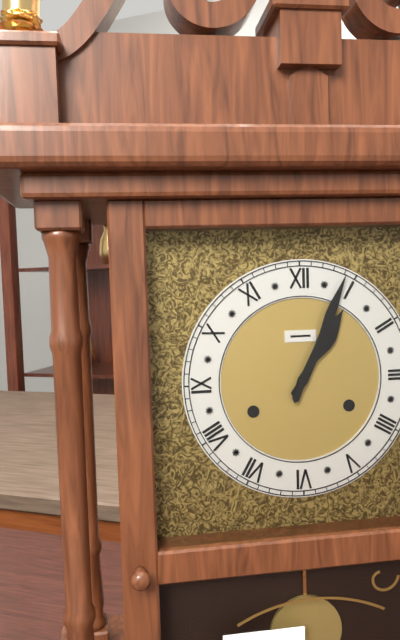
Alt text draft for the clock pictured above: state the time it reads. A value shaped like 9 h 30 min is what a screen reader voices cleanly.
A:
1 h 04 min
